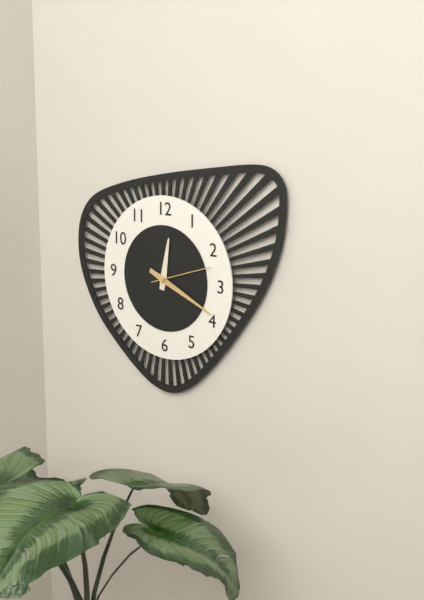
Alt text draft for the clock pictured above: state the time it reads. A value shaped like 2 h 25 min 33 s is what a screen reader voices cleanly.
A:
12 h 19 min 12 s
